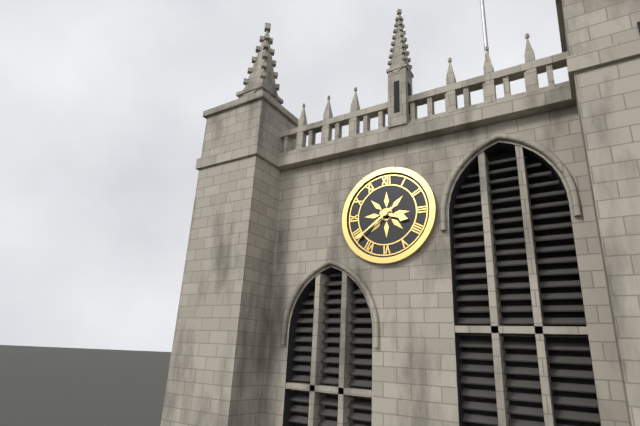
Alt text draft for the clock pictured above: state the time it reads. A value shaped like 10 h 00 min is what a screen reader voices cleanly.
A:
3 h 39 min
